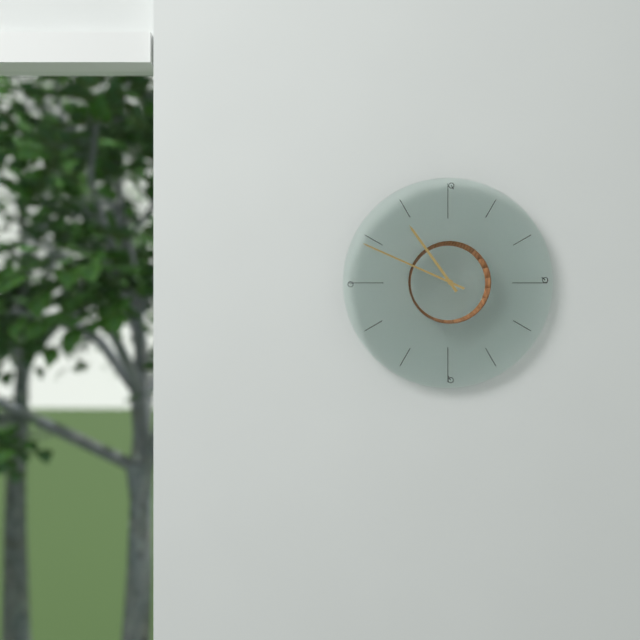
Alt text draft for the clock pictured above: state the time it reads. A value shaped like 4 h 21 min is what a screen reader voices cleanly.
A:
10 h 49 min
